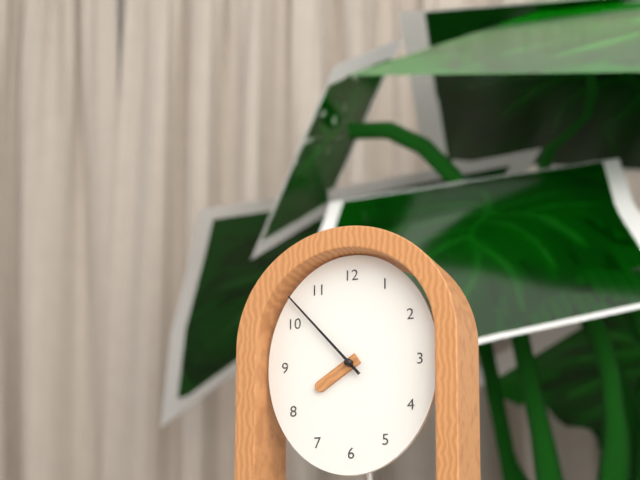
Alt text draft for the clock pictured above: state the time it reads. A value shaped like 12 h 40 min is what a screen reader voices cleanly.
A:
7 h 53 min
